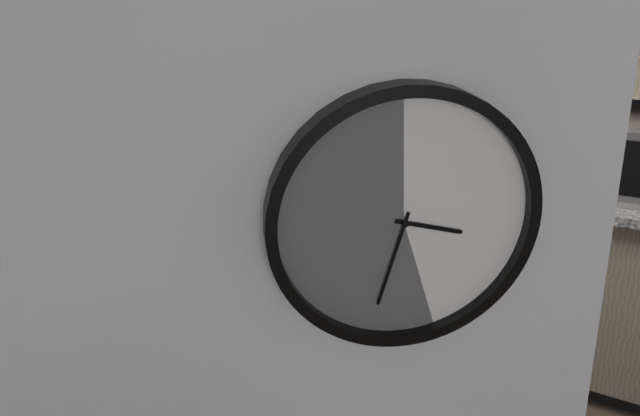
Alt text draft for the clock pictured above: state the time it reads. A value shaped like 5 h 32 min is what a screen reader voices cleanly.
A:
3 h 33 min
